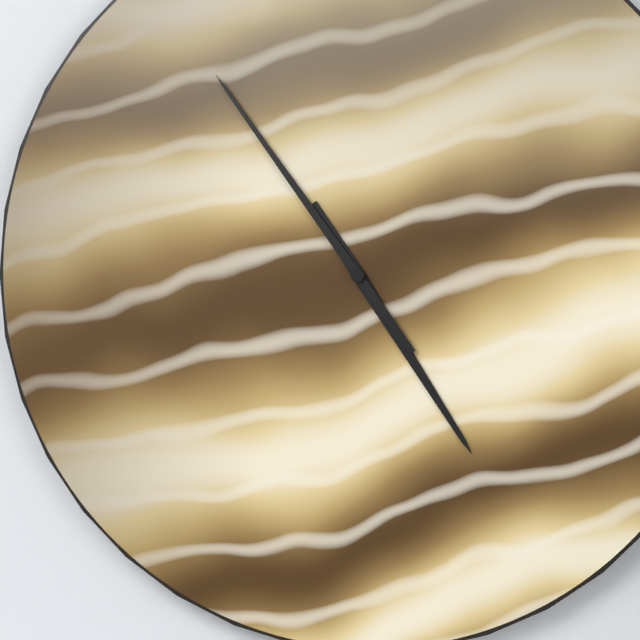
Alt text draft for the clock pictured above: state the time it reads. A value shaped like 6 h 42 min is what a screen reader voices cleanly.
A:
4 h 54 min
